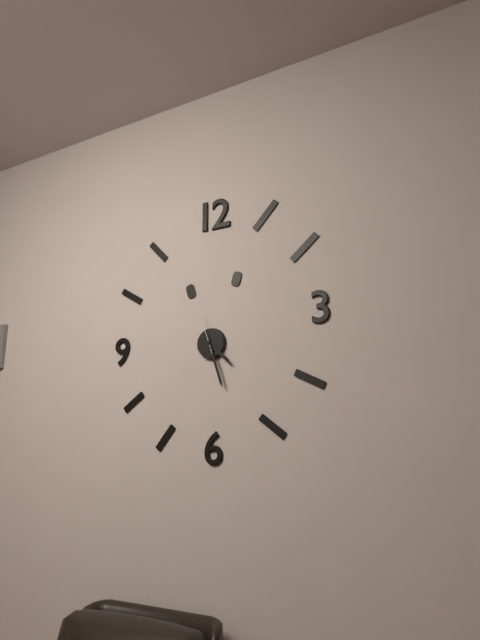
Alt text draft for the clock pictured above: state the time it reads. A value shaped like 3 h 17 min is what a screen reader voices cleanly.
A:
4 h 27 min
